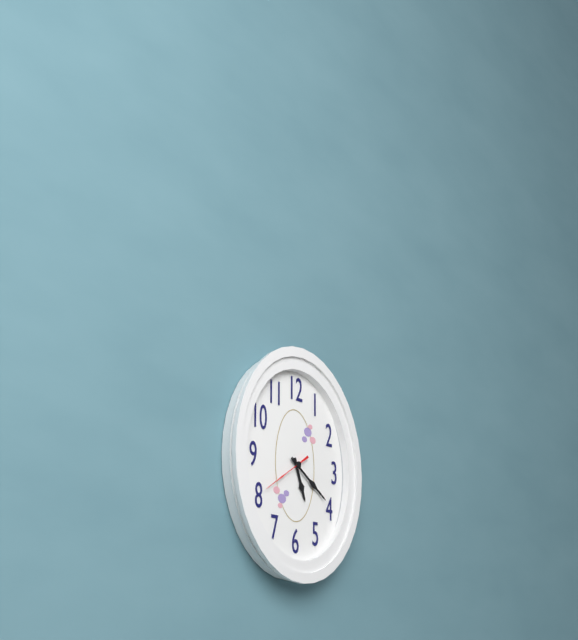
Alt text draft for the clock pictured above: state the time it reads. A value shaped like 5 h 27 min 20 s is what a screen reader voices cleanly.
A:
5 h 21 min 39 s
